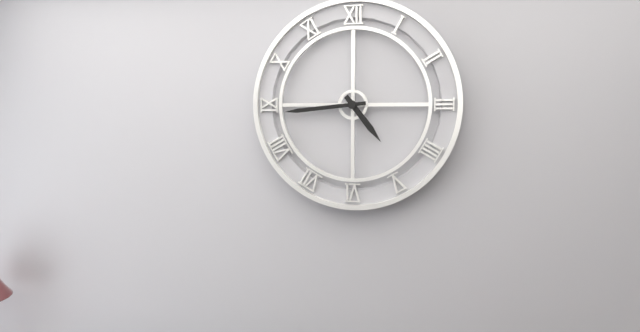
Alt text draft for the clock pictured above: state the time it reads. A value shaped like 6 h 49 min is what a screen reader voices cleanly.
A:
4 h 44 min
